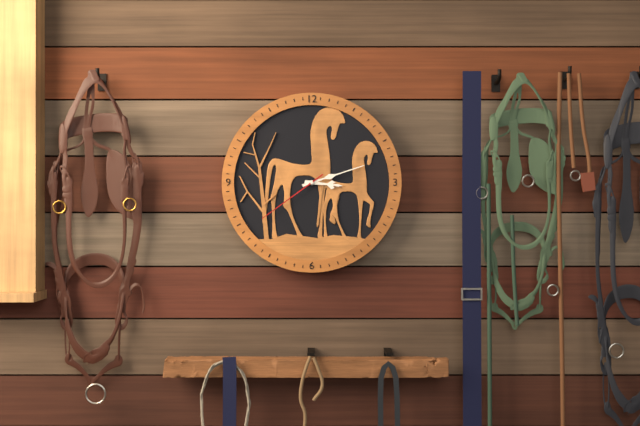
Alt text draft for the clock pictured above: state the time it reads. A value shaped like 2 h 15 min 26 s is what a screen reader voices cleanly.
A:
3 h 12 min 39 s
